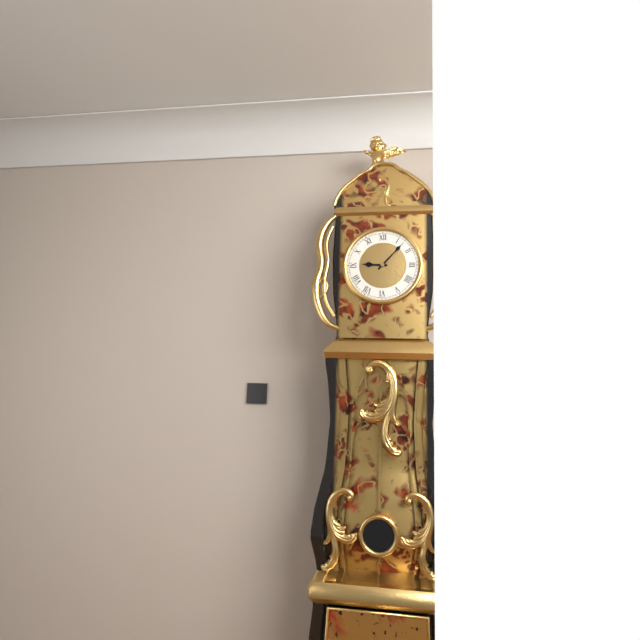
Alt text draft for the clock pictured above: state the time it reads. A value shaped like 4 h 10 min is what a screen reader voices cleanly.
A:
9 h 07 min
